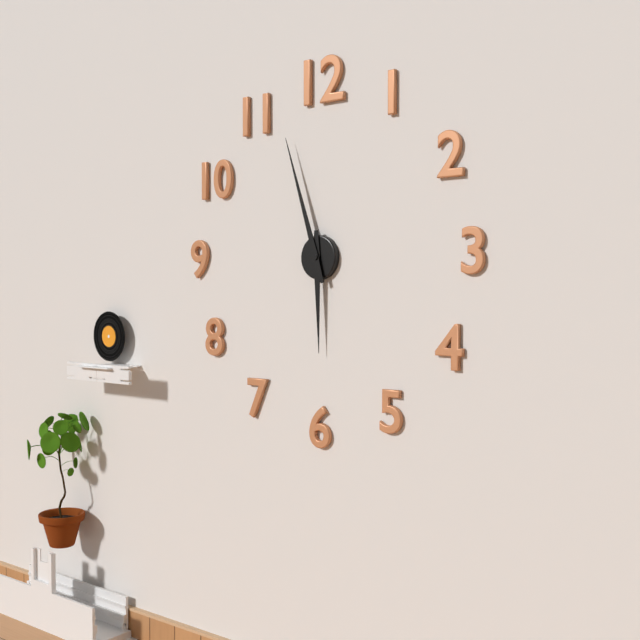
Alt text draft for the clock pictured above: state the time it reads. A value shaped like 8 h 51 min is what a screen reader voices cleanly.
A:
5 h 57 min
